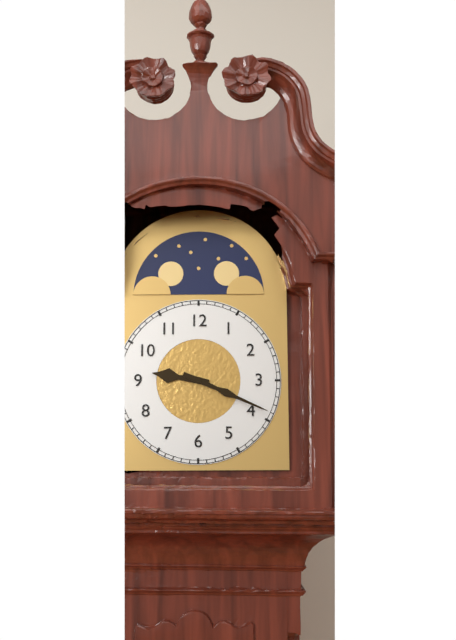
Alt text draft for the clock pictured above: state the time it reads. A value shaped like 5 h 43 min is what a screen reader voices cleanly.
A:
9 h 19 min
